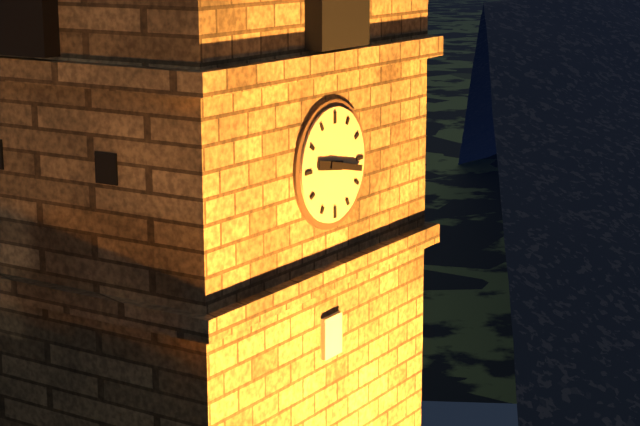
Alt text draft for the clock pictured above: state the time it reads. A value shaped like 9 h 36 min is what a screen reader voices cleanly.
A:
9 h 17 min
